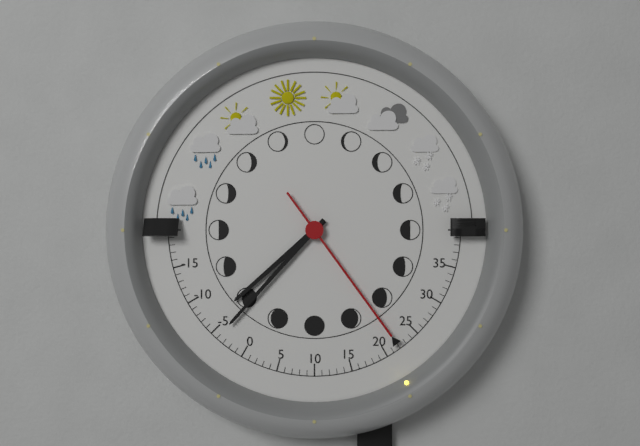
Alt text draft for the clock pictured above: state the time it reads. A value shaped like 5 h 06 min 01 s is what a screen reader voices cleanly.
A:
7 h 37 min 24 s
